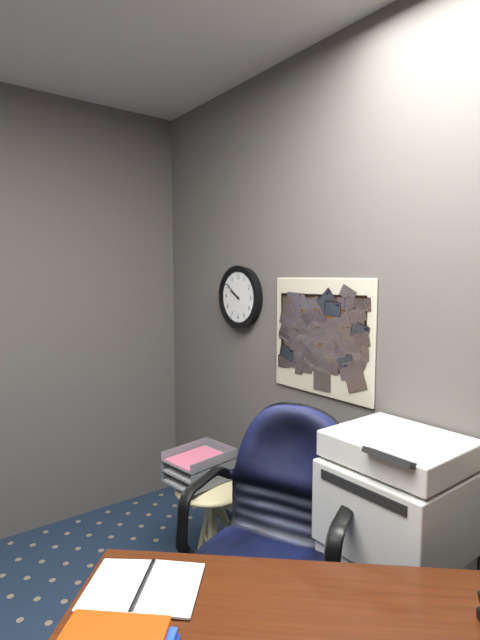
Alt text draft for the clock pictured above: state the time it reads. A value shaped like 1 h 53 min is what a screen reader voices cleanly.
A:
9 h 51 min
